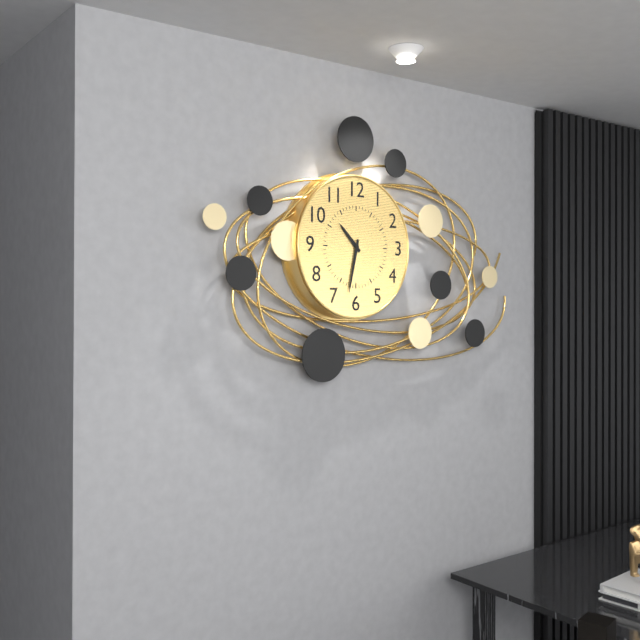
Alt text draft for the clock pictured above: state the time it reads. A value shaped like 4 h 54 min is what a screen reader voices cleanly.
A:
10 h 32 min
